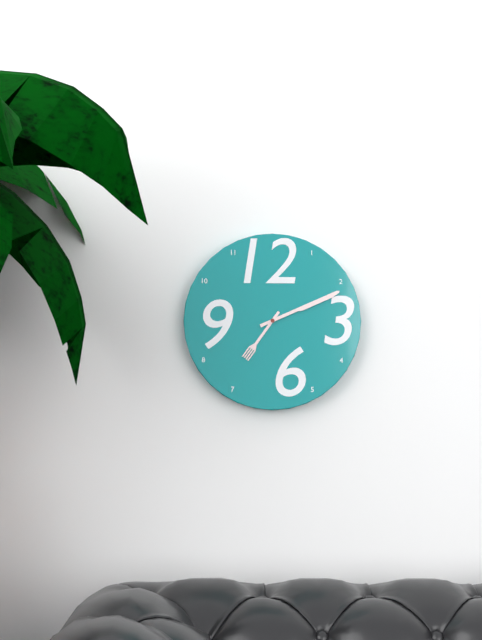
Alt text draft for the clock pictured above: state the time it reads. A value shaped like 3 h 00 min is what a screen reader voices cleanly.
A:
7 h 11 min
